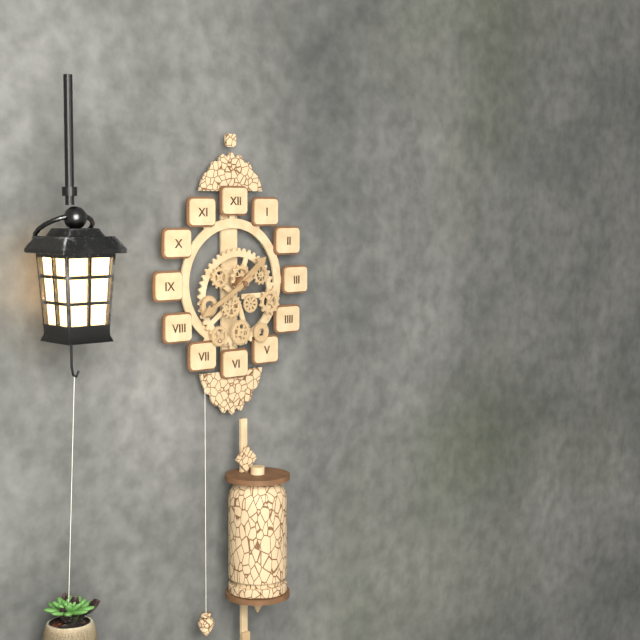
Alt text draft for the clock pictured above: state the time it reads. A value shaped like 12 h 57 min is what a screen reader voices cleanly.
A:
1 h 40 min
